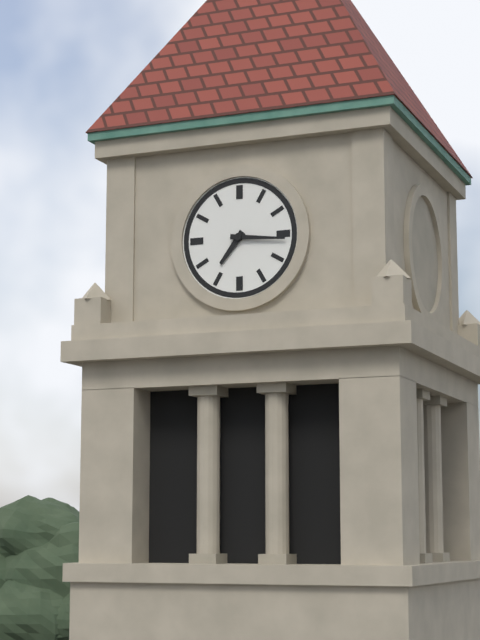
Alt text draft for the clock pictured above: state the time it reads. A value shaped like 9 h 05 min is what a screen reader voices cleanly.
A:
7 h 16 min
